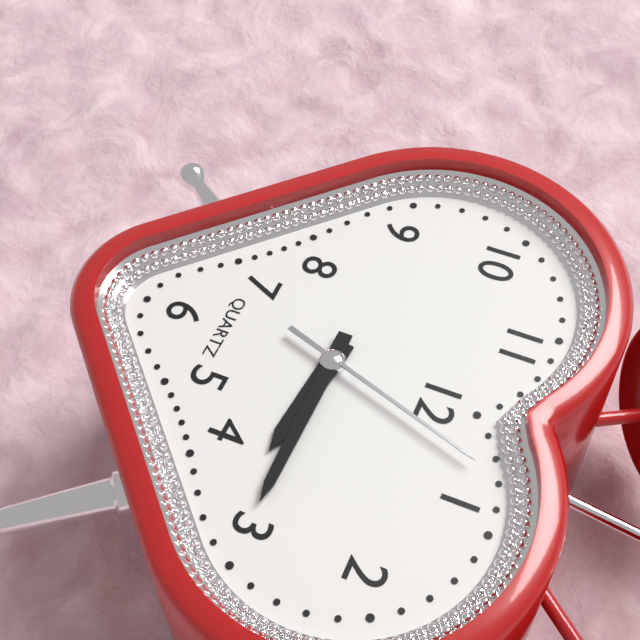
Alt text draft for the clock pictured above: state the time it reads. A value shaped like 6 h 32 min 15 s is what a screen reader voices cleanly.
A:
3 h 15 min 03 s
